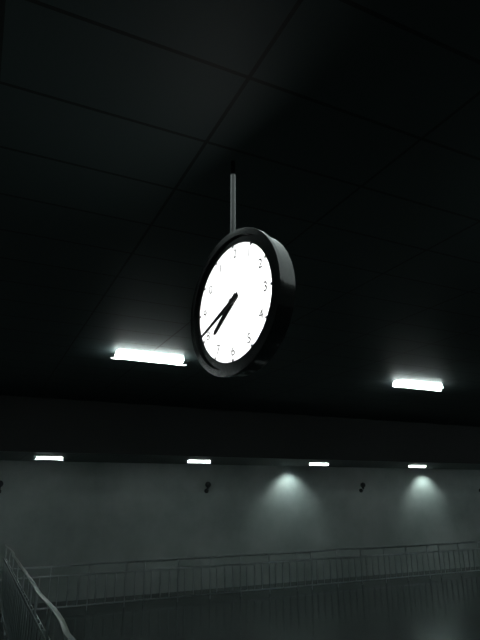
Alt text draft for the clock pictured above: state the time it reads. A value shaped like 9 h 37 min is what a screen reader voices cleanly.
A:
7 h 41 min
